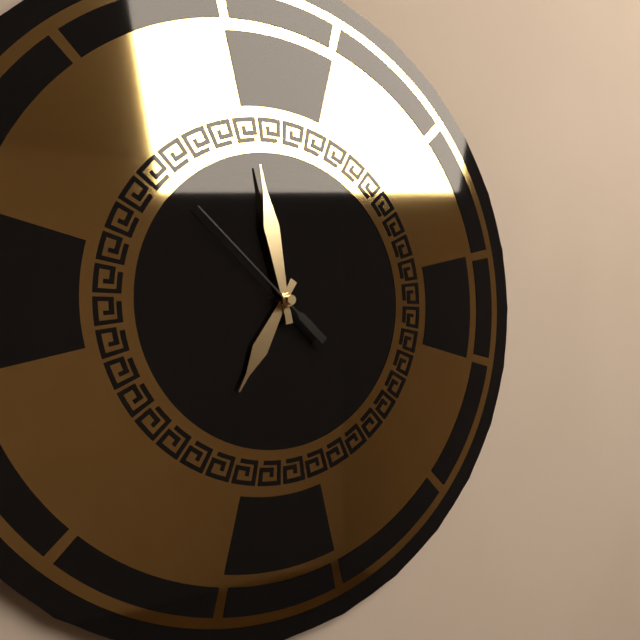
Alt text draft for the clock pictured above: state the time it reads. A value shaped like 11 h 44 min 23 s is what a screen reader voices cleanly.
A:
6 h 58 min 52 s
